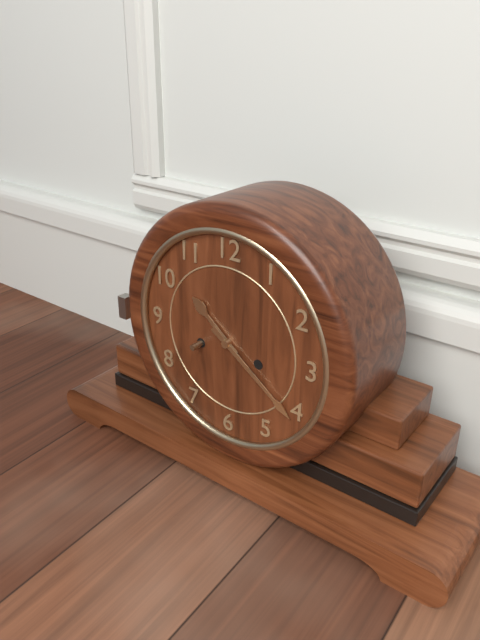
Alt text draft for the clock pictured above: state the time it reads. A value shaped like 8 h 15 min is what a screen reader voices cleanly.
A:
10 h 21 min
